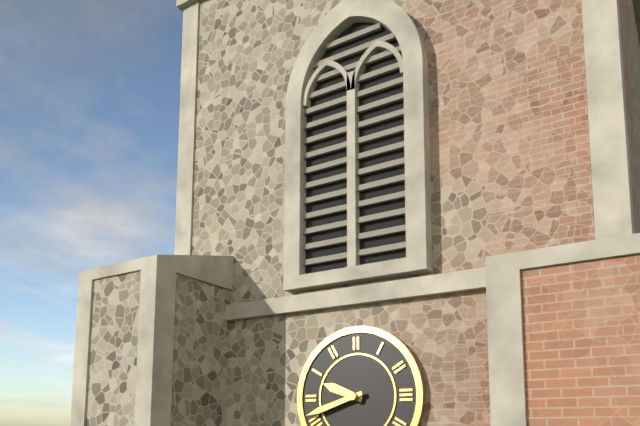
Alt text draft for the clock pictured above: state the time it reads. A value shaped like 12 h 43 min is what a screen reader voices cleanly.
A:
9 h 42 min
